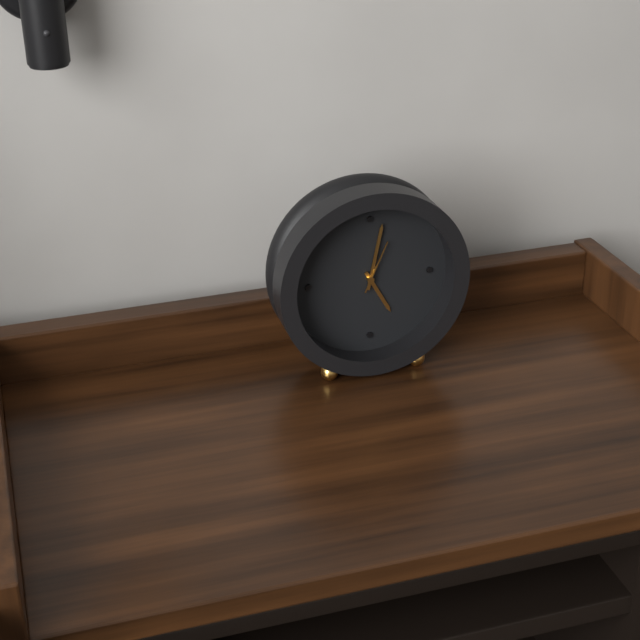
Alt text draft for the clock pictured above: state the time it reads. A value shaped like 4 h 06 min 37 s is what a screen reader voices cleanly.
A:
5 h 02 min 04 s
